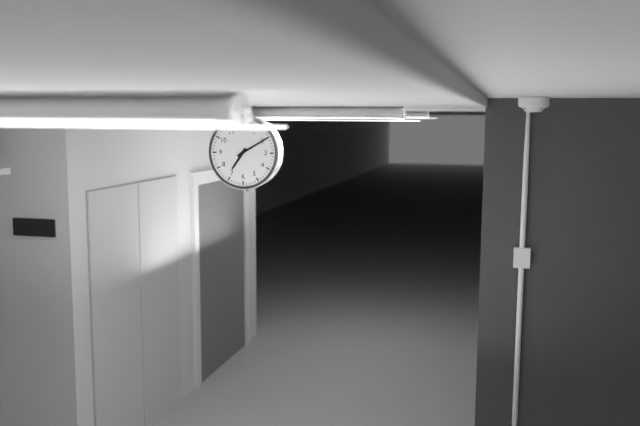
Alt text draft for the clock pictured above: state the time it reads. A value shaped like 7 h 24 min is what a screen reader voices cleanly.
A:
7 h 10 min
